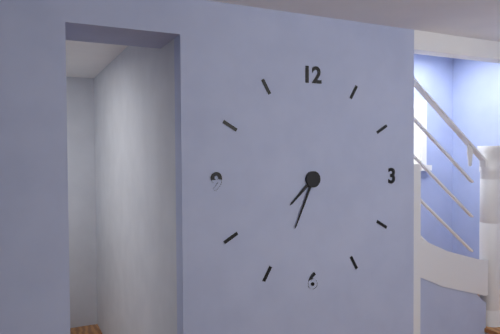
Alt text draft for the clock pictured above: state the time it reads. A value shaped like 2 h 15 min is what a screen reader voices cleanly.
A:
7 h 34 min
